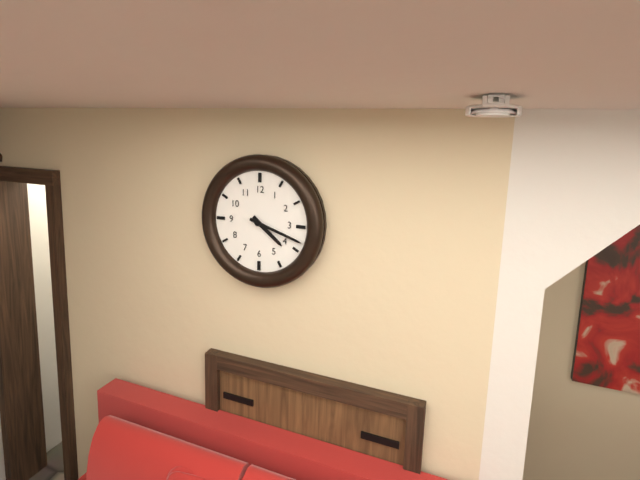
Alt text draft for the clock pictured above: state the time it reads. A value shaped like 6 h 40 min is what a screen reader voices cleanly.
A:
4 h 18 min
